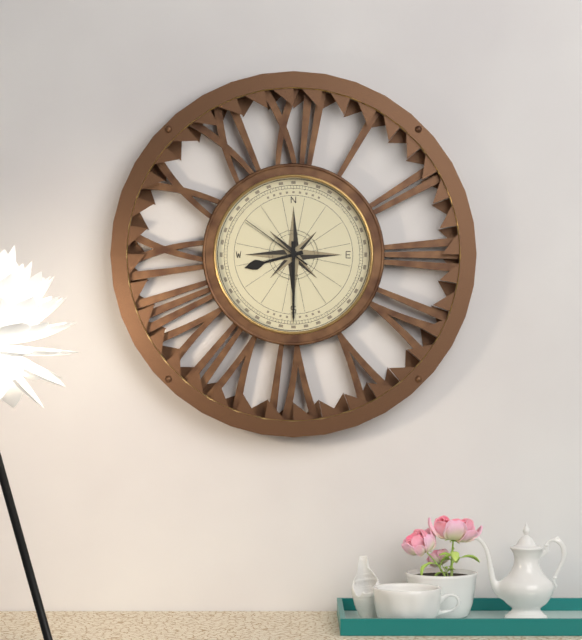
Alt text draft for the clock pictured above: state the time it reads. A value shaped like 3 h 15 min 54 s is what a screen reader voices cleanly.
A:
8 h 30 min 51 s
